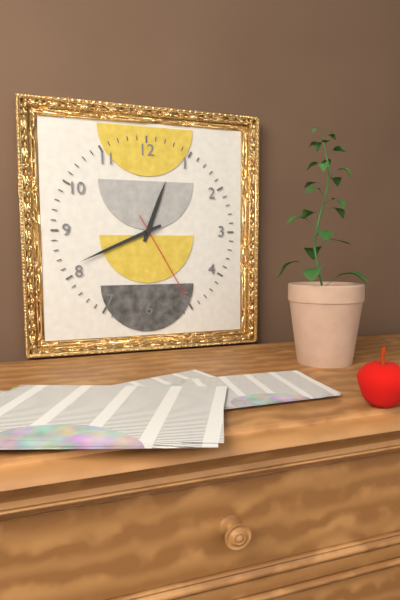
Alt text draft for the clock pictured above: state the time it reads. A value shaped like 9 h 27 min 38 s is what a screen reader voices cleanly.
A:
12 h 41 min 25 s
